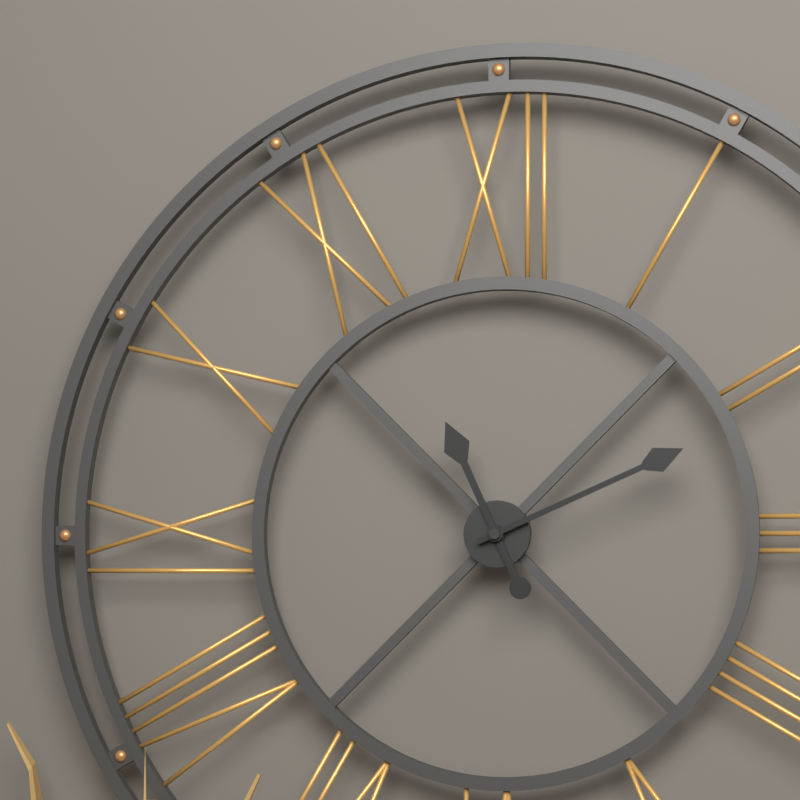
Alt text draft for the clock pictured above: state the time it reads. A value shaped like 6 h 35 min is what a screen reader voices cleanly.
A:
11 h 11 min
